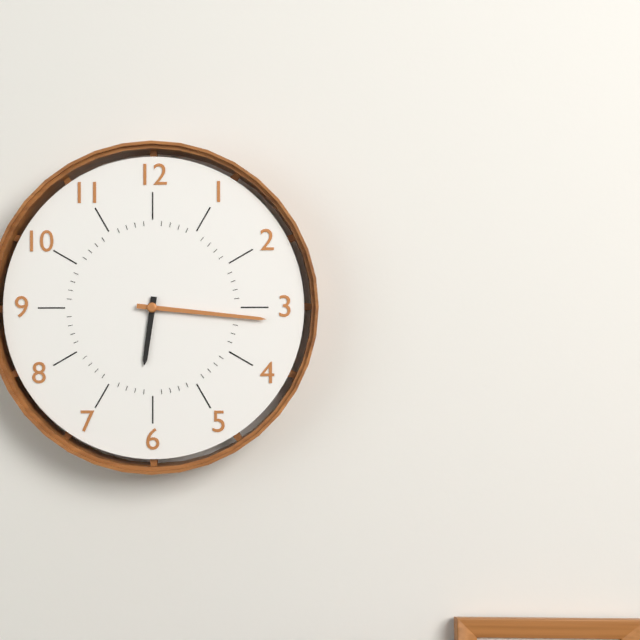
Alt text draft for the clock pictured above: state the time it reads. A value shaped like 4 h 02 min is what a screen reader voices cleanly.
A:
6 h 16 min
